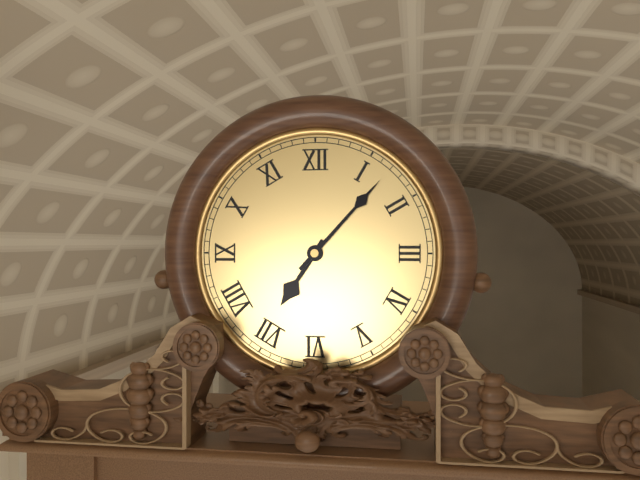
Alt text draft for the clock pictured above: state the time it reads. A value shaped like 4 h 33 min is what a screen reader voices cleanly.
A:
7 h 07 min
